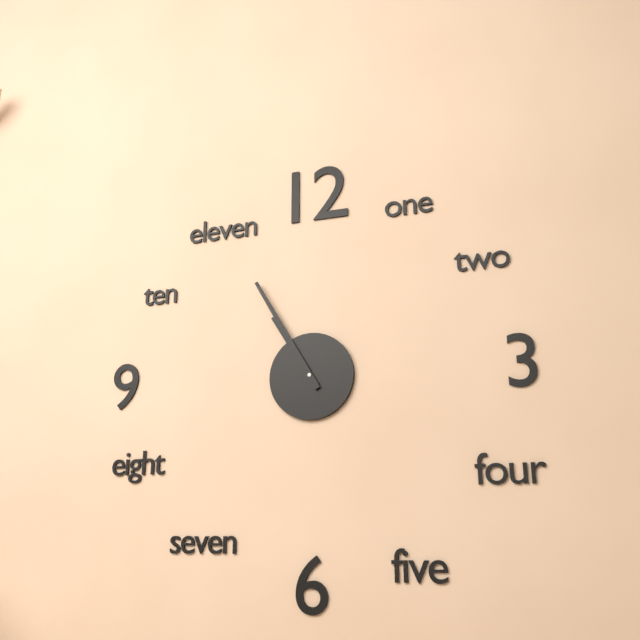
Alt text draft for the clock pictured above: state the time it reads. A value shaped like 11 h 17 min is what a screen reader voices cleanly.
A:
10 h 55 min
